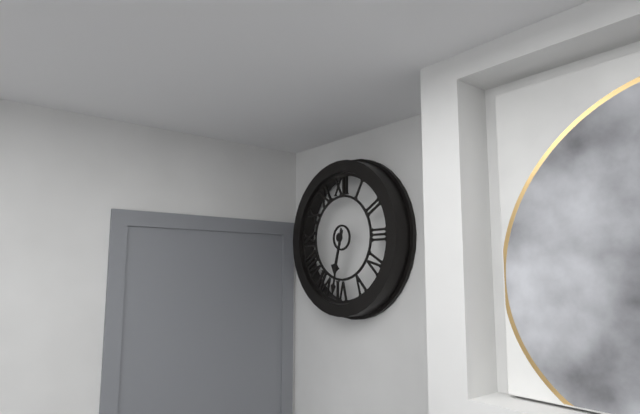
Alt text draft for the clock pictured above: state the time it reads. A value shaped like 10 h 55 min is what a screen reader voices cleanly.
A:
6 h 32 min
